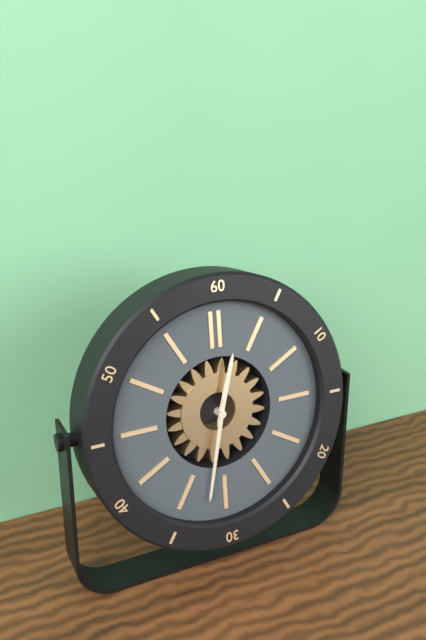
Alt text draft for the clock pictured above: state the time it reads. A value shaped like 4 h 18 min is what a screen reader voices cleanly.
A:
12 h 32 min
